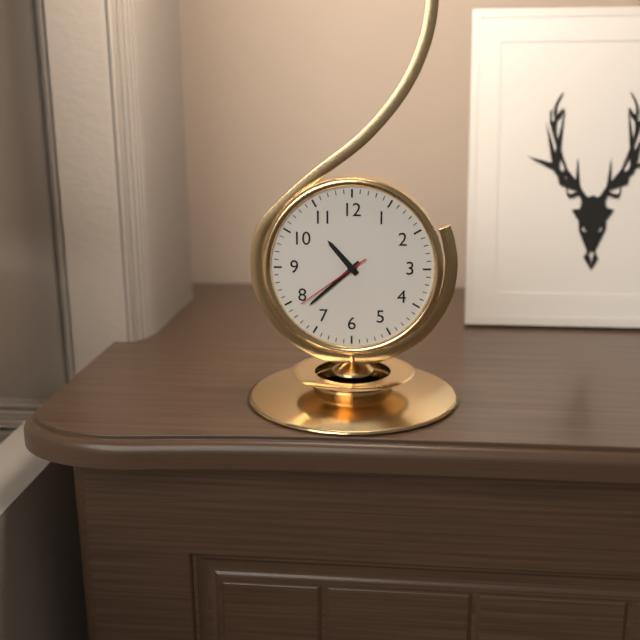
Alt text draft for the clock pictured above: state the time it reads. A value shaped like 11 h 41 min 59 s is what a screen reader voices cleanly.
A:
10 h 38 min 39 s
